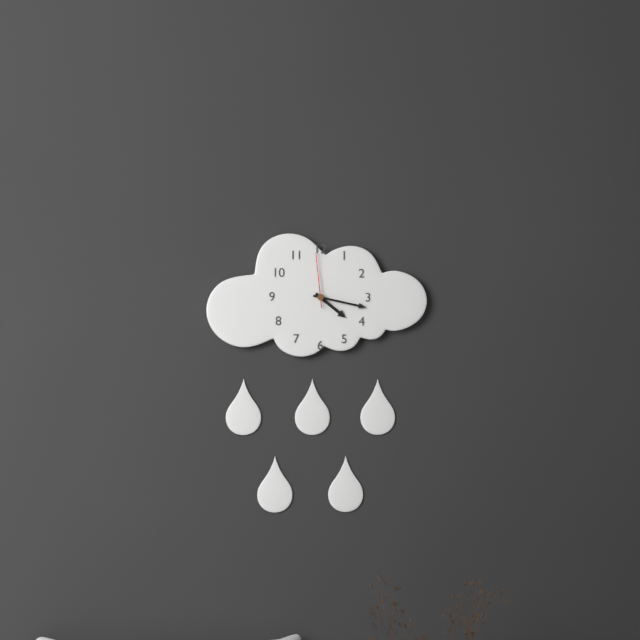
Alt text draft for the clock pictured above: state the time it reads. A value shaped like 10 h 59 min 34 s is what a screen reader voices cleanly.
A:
4 h 17 min 59 s
